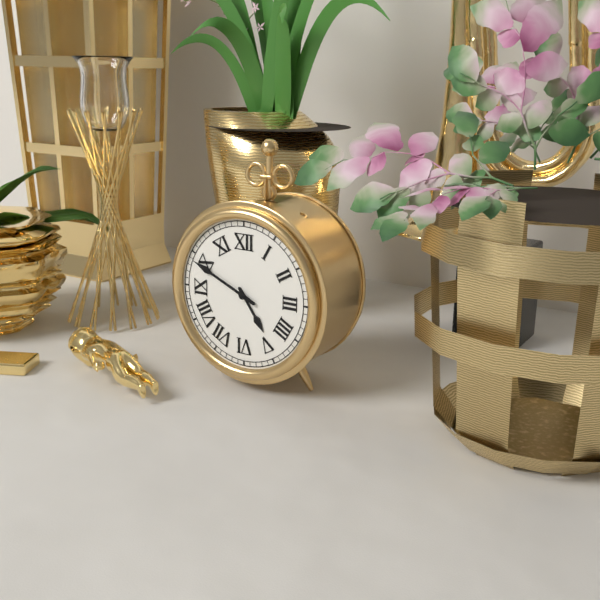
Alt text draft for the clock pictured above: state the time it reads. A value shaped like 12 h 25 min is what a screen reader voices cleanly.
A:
4 h 49 min
